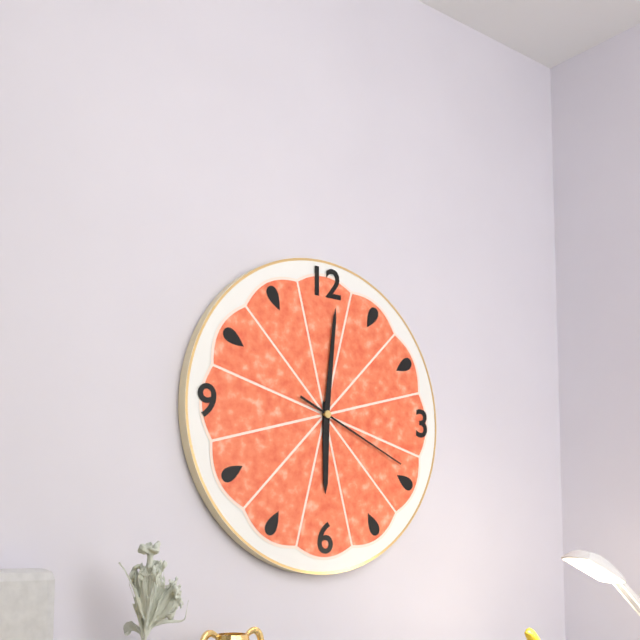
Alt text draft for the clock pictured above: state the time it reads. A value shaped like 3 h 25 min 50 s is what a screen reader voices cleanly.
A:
6 h 01 min 19 s
